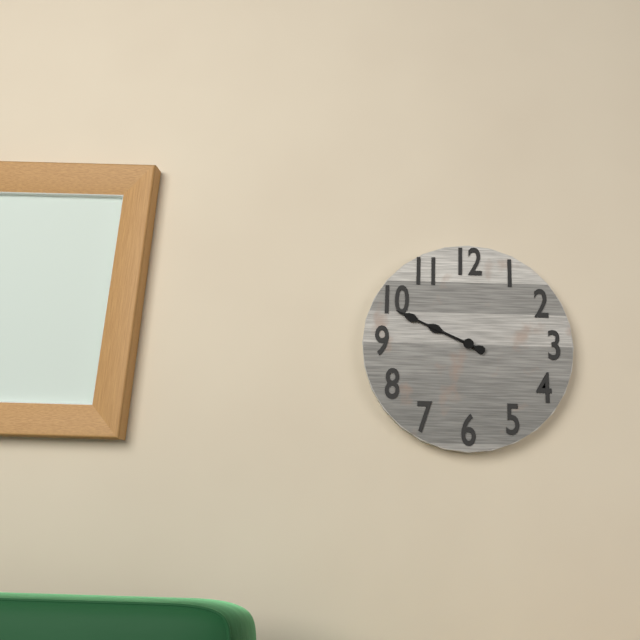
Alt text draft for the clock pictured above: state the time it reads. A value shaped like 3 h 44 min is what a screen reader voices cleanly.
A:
9 h 49 min
